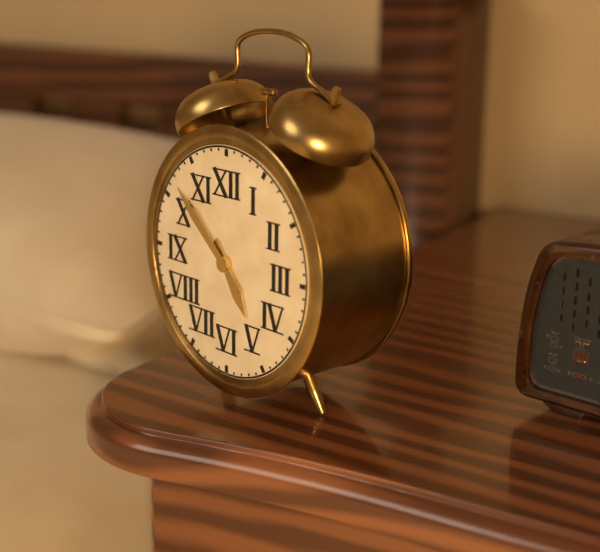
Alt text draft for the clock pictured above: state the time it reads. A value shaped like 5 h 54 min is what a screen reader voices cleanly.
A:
4 h 52 min
